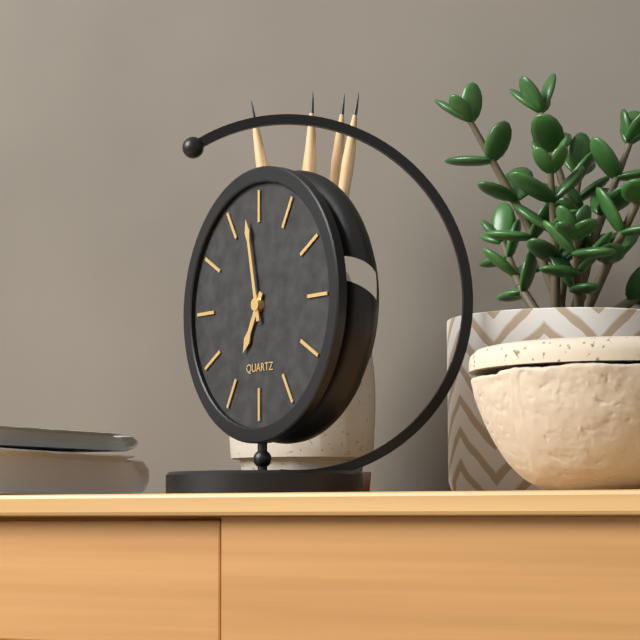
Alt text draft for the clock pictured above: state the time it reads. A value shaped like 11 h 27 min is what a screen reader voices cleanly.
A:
6 h 58 min
